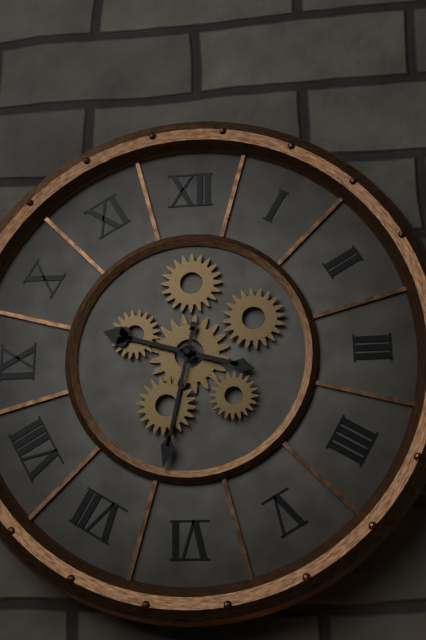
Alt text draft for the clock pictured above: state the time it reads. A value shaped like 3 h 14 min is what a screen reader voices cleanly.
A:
9 h 32 min
